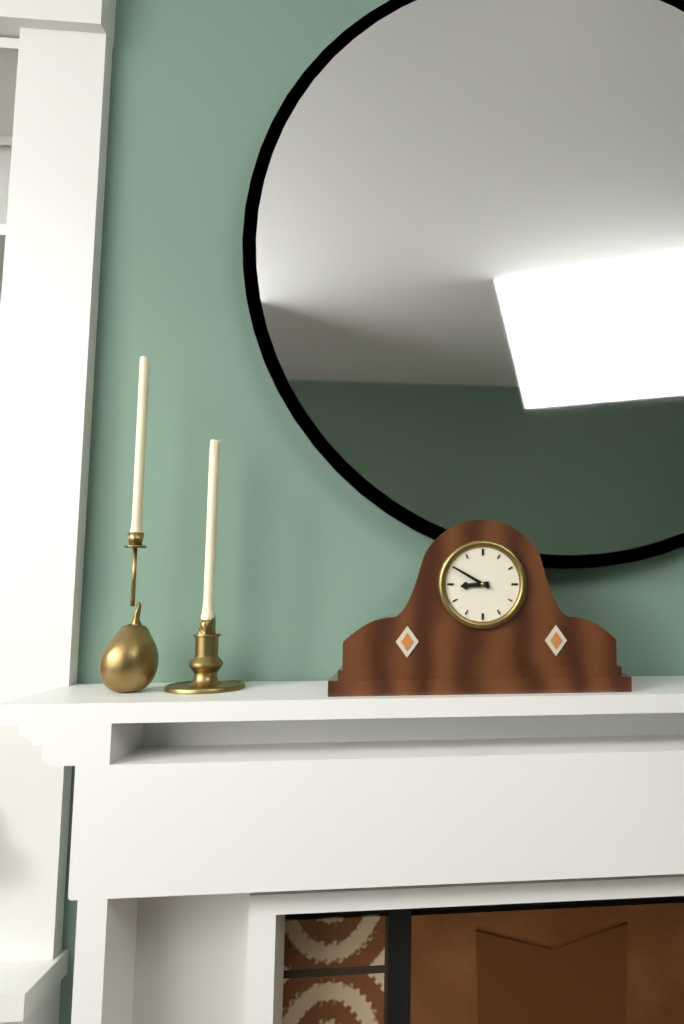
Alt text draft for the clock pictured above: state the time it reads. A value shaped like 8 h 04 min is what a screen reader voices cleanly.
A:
8 h 50 min
